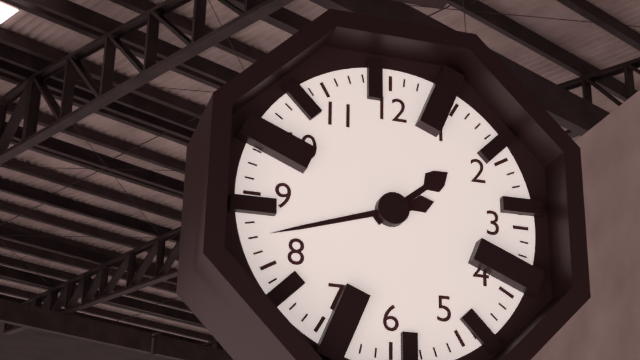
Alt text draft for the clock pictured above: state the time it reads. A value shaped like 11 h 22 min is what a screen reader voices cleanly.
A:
1 h 42 min
